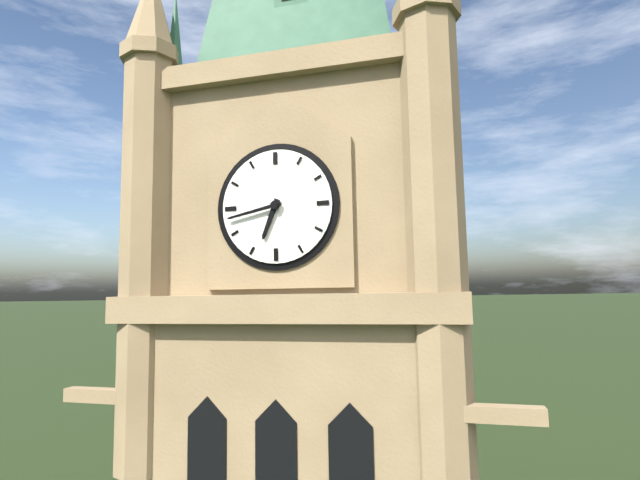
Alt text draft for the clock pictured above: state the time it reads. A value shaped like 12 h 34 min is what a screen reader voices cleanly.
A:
6 h 43 min
